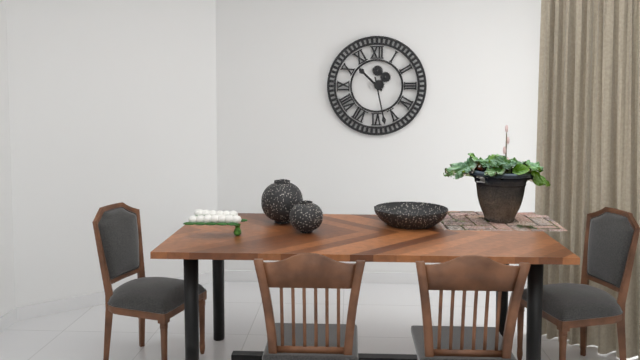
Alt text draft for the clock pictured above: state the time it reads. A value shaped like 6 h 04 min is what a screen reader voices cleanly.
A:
10 h 28 min
